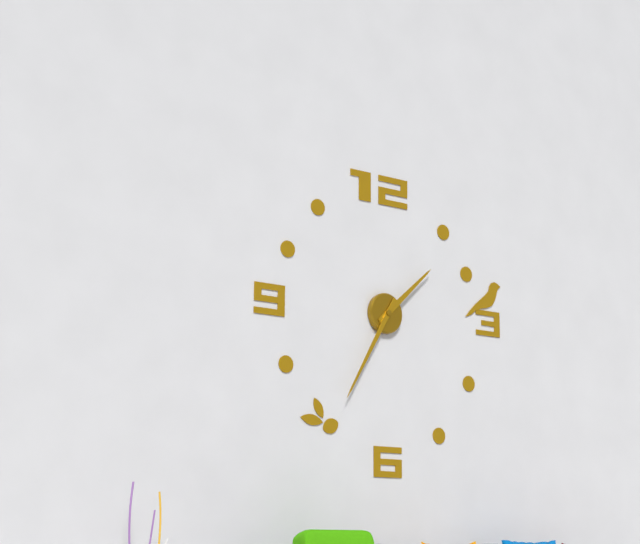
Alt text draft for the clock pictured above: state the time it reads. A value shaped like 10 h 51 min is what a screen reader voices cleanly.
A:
1 h 35 min
